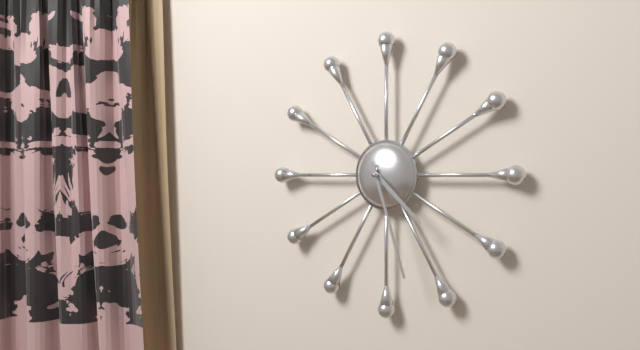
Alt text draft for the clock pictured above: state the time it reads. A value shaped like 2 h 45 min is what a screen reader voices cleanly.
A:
4 h 27 min
